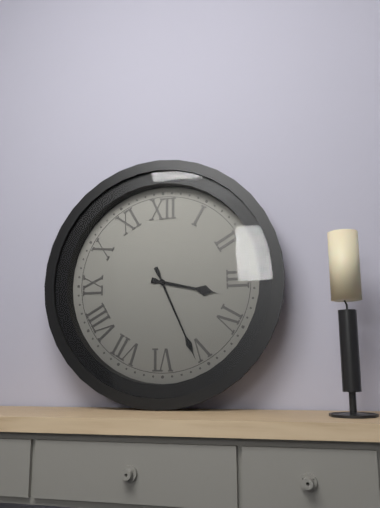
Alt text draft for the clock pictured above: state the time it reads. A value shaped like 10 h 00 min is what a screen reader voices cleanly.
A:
3 h 26 min
